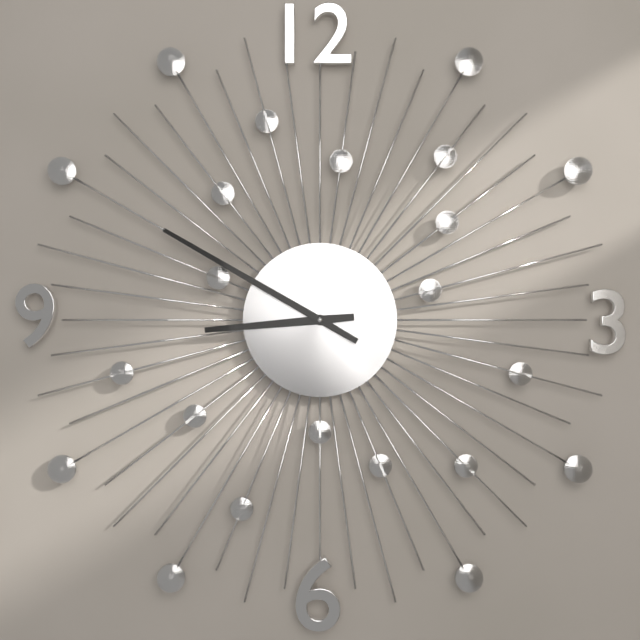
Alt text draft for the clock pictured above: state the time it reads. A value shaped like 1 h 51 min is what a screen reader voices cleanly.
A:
8 h 50 min
